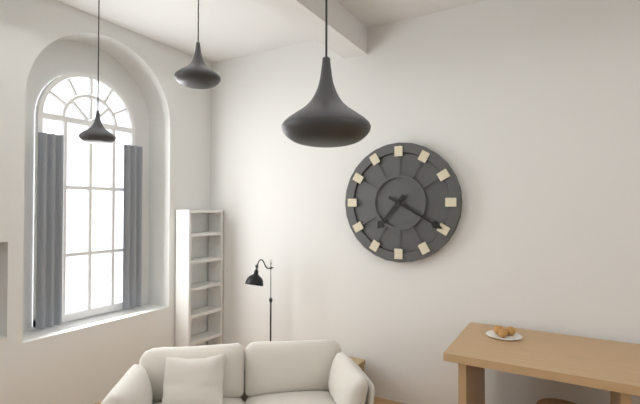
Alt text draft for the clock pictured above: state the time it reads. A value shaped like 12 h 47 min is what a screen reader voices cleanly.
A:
7 h 20 min
